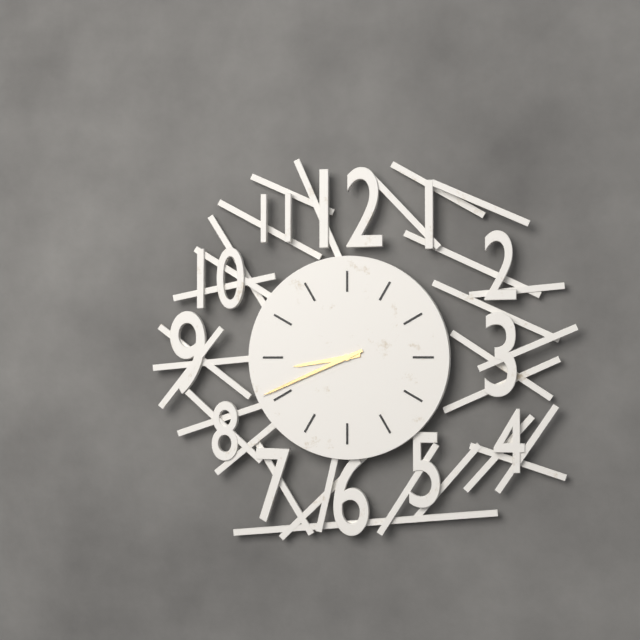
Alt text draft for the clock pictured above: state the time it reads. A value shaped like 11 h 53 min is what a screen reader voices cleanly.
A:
8 h 41 min
